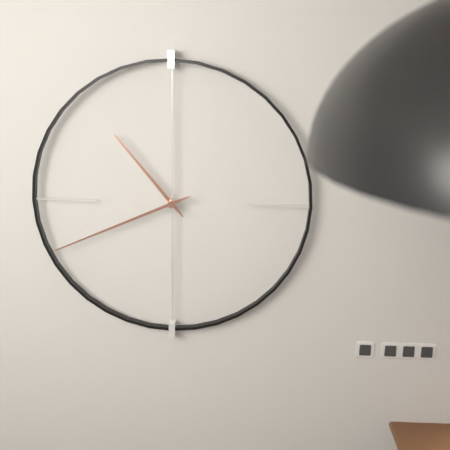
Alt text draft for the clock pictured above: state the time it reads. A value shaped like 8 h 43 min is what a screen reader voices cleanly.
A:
10 h 41 min
